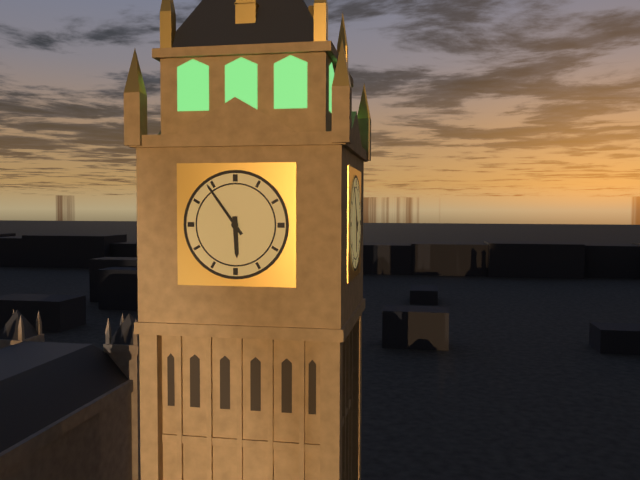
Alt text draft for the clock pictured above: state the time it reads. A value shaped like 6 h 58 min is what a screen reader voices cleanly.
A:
5 h 54 min
